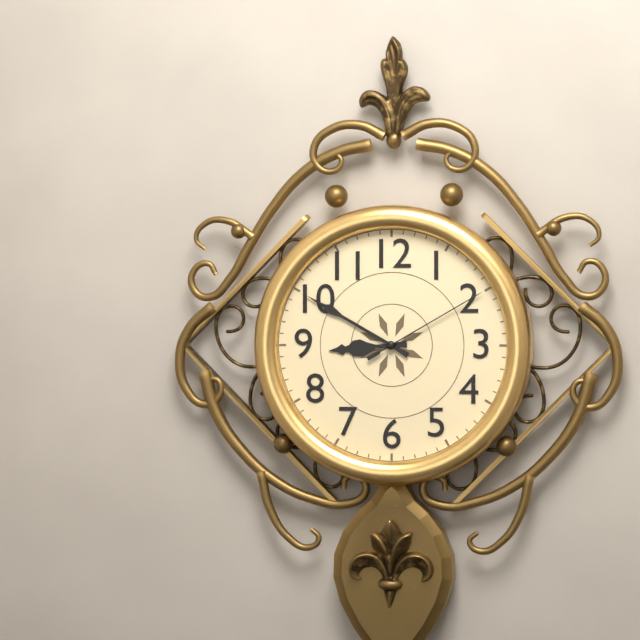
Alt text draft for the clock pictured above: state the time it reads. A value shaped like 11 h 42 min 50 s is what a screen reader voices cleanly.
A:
8 h 50 min 10 s
